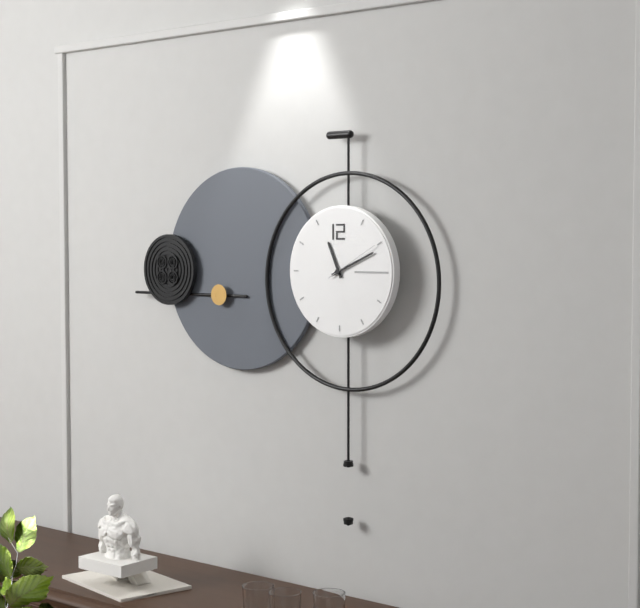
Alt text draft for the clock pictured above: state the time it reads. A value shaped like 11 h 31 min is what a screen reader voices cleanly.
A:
11 h 11 min
